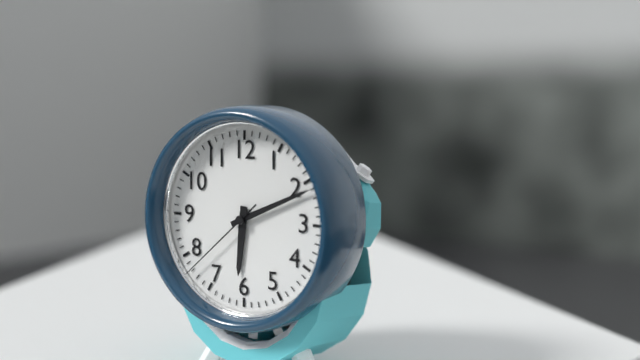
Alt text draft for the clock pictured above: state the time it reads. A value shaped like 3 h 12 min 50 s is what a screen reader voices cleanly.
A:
6 h 11 min 38 s
